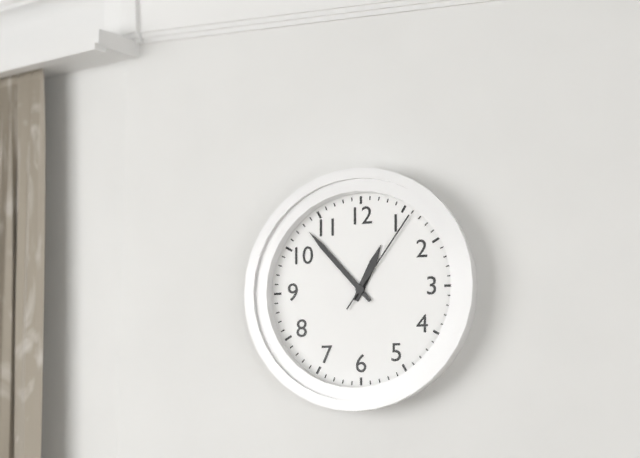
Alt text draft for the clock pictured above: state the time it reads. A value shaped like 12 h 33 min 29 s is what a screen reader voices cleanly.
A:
12 h 53 min 06 s
